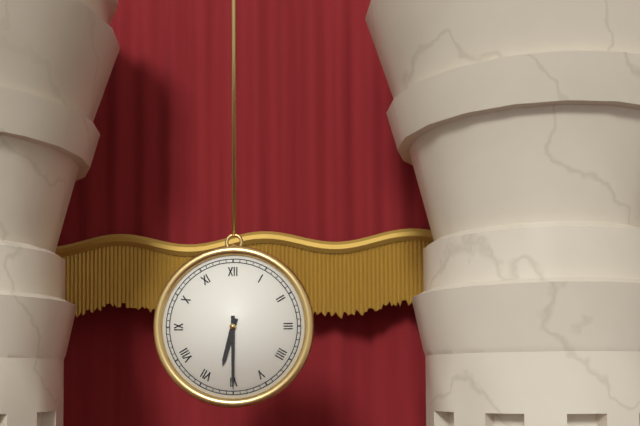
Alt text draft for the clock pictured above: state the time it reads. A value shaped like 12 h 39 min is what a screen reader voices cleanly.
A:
6 h 30 min
